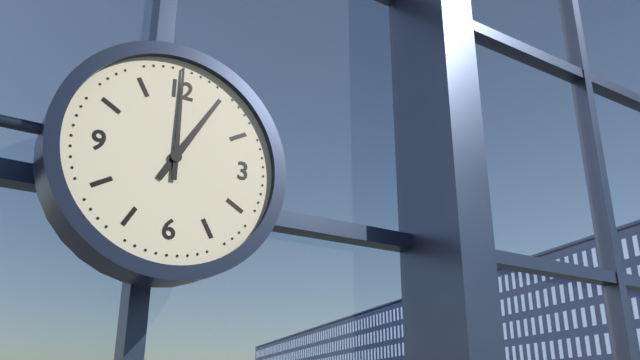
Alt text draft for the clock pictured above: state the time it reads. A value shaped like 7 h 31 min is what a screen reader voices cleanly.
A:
1 h 00 min
